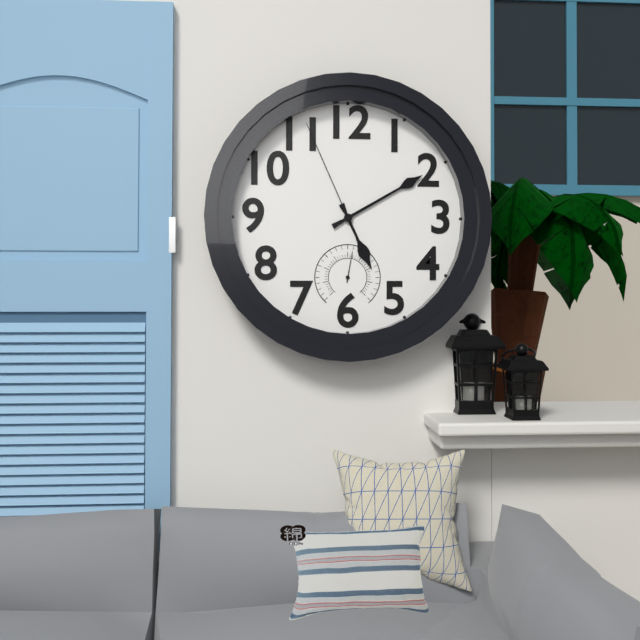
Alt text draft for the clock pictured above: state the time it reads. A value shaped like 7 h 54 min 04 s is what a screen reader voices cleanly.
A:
5 h 10 min 56 s
